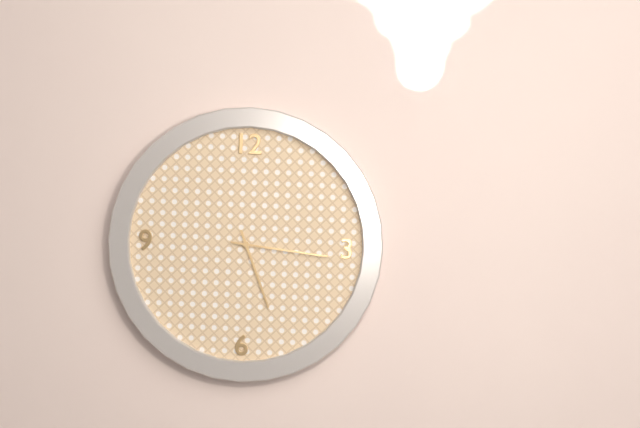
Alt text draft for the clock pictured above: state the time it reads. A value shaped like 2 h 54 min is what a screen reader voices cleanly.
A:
5 h 16 min
